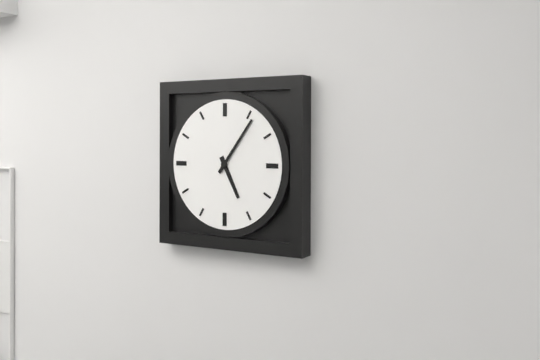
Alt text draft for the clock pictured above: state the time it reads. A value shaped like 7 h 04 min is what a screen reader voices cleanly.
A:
5 h 06 min
